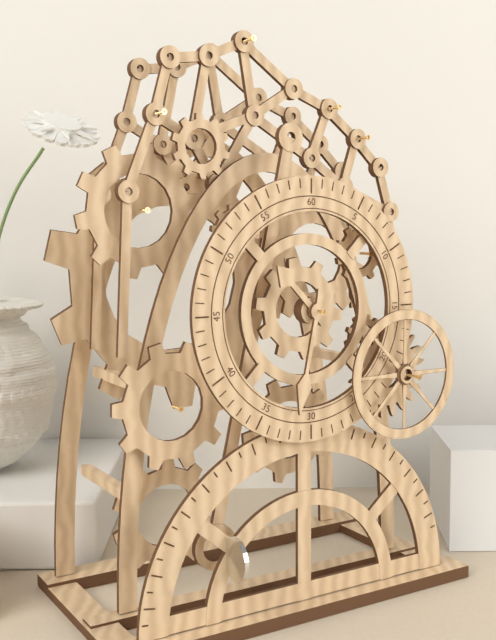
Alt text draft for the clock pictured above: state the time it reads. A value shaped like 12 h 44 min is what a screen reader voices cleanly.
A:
10 h 32 min
